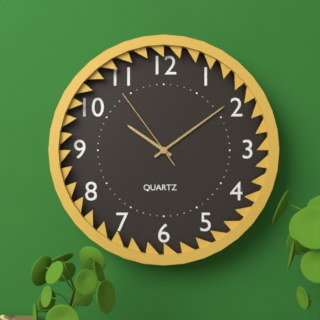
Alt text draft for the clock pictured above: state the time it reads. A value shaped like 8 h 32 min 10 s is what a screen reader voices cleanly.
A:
10 h 09 min 54 s
